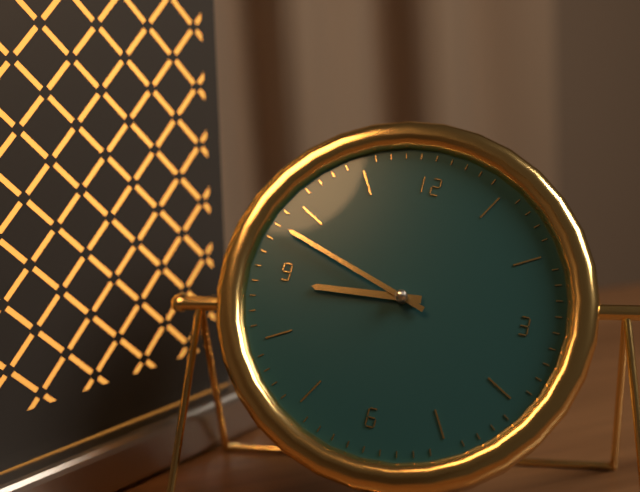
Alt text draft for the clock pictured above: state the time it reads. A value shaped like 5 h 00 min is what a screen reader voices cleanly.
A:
8 h 48 min
